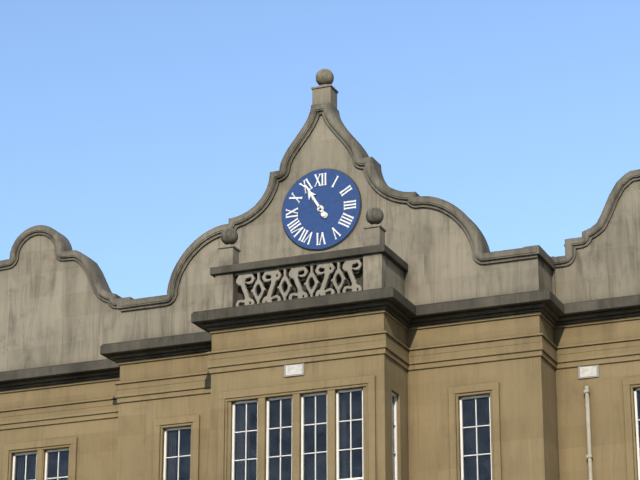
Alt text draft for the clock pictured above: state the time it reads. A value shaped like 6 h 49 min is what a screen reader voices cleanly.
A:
10 h 55 min
